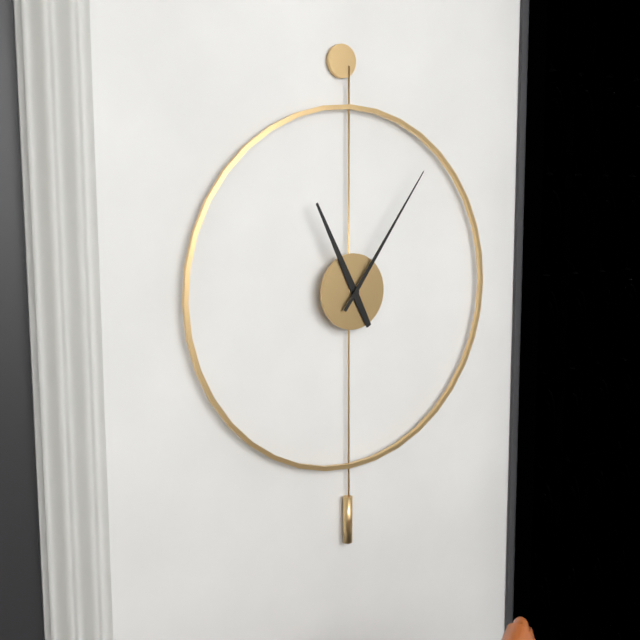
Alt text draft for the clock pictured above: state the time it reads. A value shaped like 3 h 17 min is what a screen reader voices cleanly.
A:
11 h 06 min
